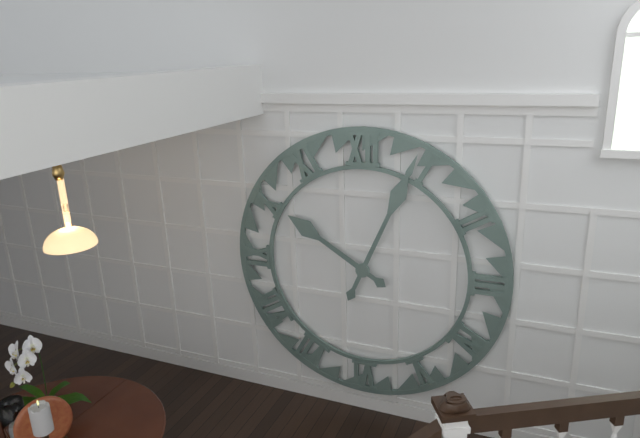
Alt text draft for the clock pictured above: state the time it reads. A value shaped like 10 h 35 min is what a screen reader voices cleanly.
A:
10 h 04 min
